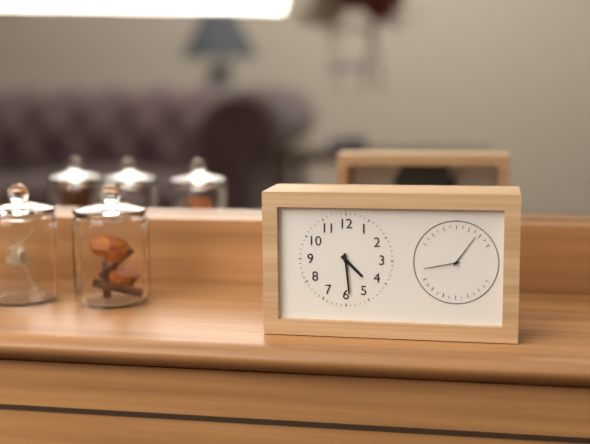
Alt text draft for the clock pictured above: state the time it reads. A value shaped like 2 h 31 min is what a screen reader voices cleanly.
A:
4 h 29 min
